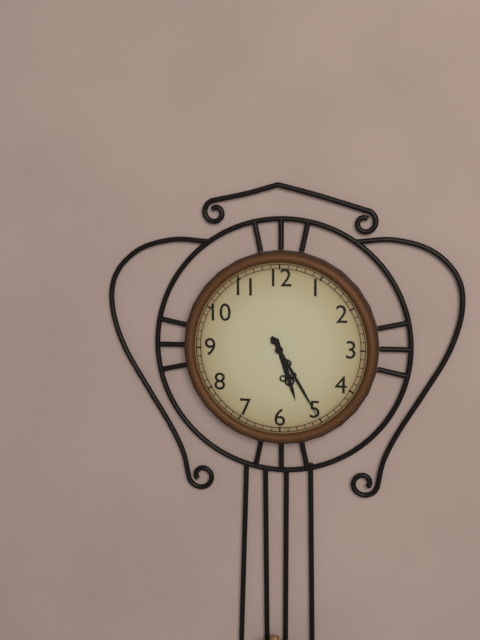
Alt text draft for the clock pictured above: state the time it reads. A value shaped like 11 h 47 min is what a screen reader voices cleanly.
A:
5 h 25 min
